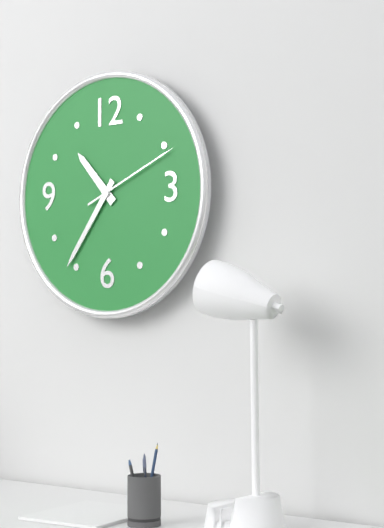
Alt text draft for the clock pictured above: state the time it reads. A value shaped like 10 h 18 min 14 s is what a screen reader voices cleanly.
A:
10 h 36 min 11 s
